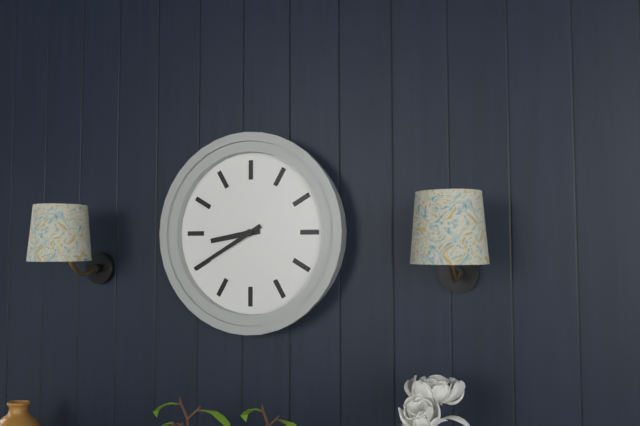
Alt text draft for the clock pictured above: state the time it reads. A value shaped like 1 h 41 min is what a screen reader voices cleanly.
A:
8 h 40 min
